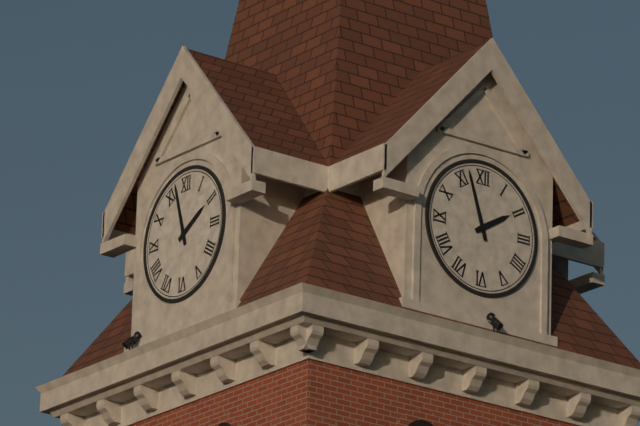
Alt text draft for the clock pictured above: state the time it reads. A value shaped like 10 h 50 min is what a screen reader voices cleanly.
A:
1 h 57 min
